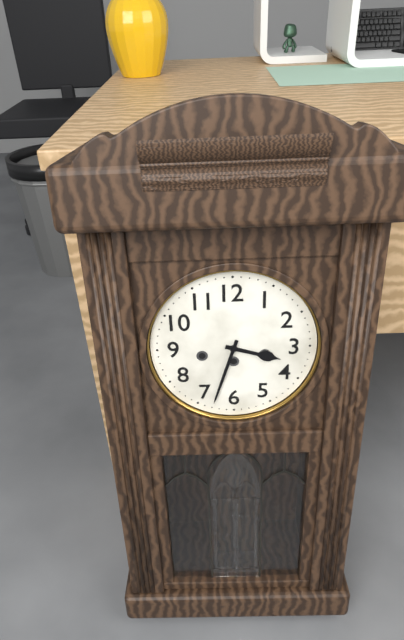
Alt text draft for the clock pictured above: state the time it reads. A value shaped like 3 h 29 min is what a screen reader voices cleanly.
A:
3 h 33 min
